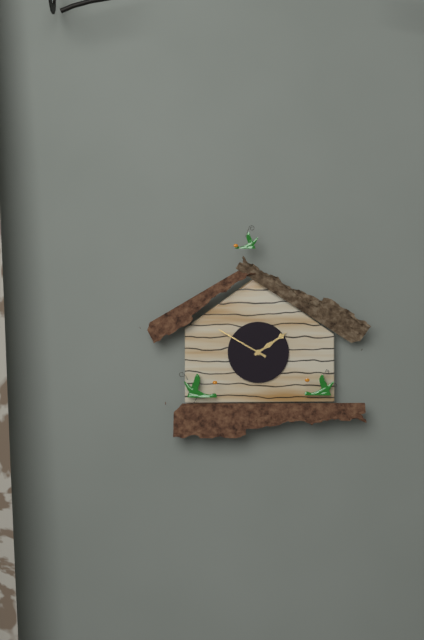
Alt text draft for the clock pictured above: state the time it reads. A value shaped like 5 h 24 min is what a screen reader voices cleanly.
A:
1 h 50 min
